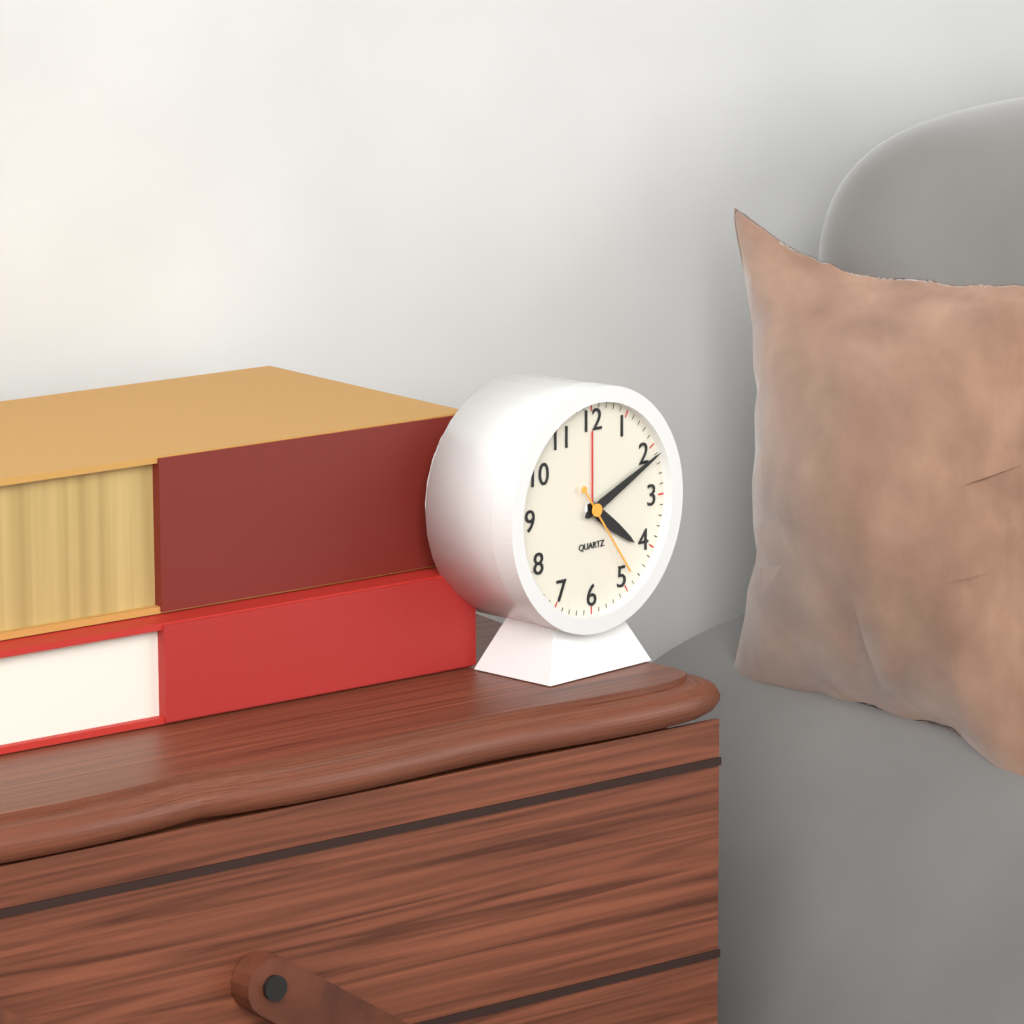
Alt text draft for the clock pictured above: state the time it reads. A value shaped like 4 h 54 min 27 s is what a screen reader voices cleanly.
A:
4 h 11 min 24 s
